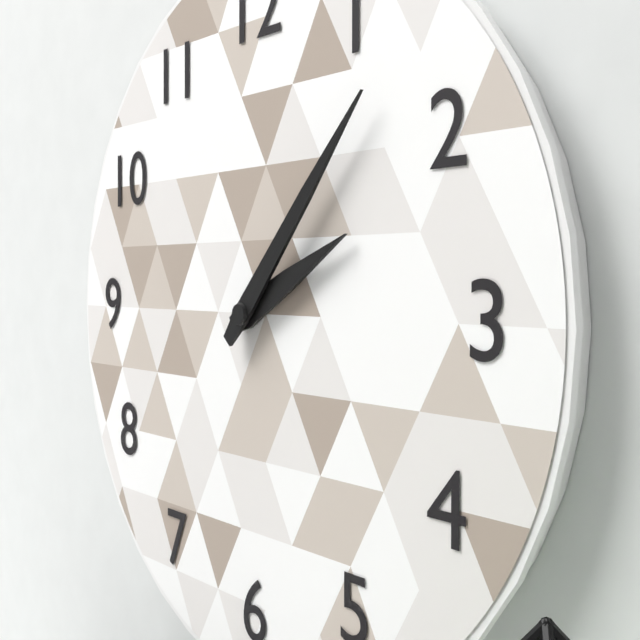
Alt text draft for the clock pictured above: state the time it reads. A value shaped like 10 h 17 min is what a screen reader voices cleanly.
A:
2 h 07 min
